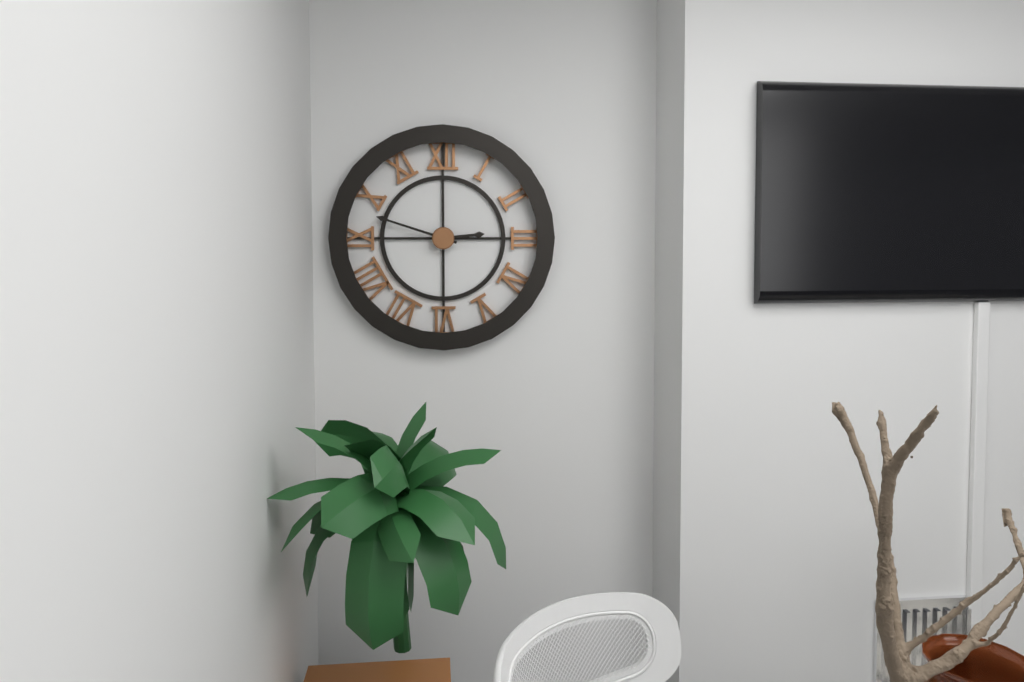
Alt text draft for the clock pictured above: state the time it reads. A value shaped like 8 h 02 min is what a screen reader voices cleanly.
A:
2 h 48 min
